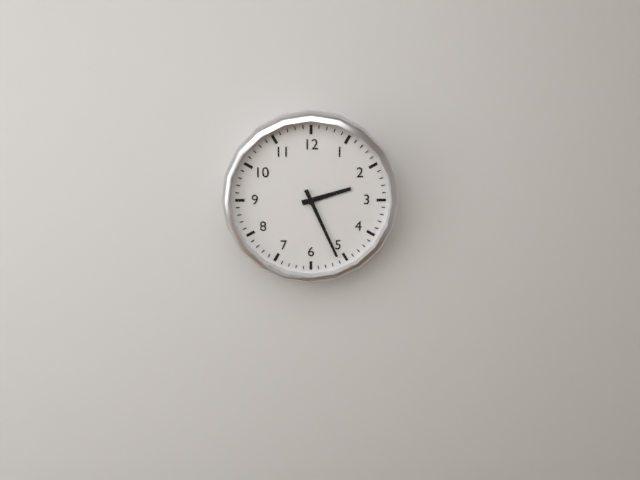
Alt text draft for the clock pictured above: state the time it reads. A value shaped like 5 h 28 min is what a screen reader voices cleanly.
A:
2 h 26 min
